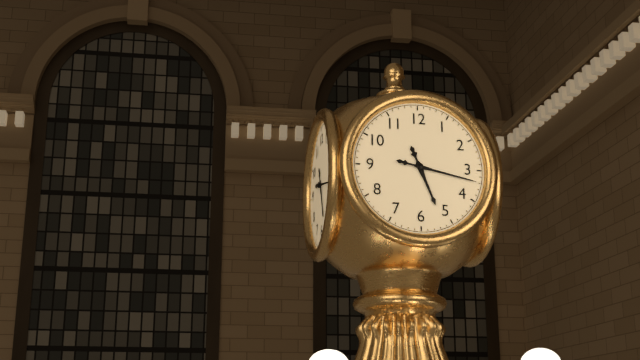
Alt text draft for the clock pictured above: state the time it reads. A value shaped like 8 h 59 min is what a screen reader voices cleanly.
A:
5 h 17 min
